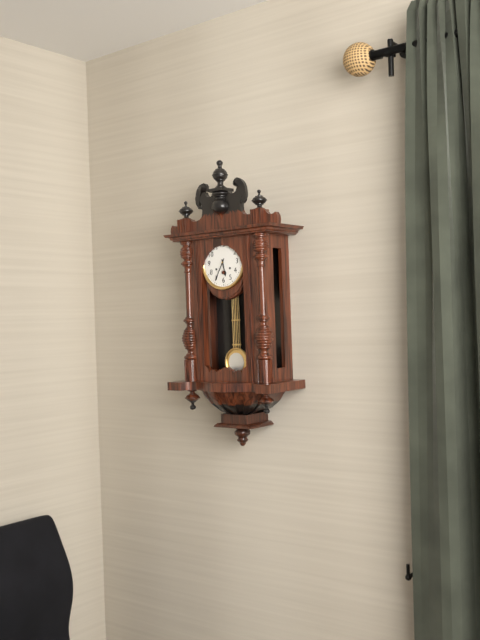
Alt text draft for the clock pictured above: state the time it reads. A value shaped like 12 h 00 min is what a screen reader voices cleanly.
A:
5 h 35 min
